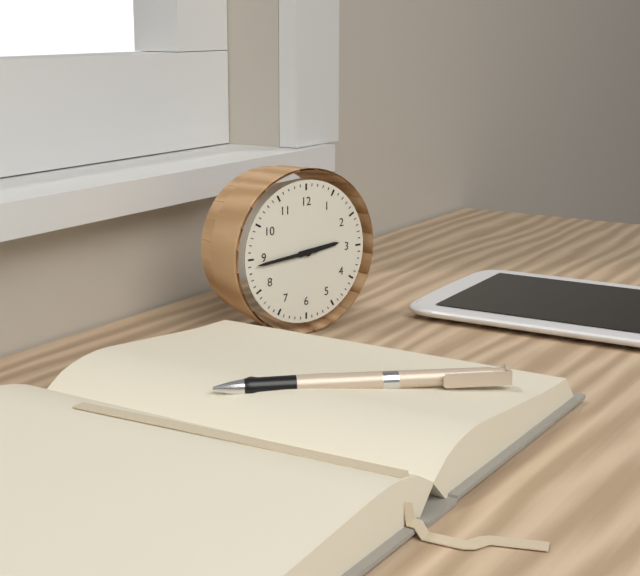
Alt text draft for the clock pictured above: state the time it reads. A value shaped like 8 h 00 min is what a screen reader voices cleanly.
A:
2 h 44 min
